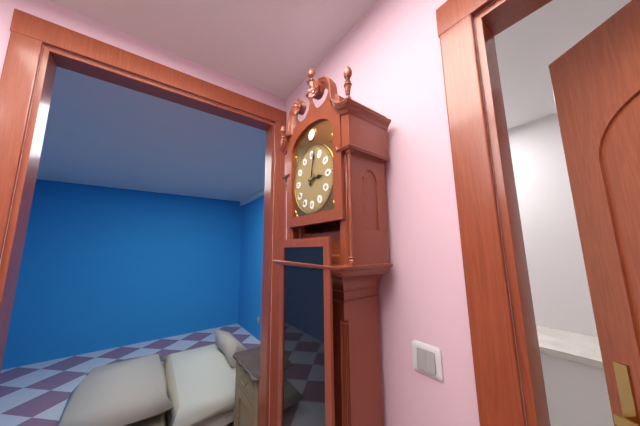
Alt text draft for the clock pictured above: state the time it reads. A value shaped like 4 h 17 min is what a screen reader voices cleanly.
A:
3 h 02 min
